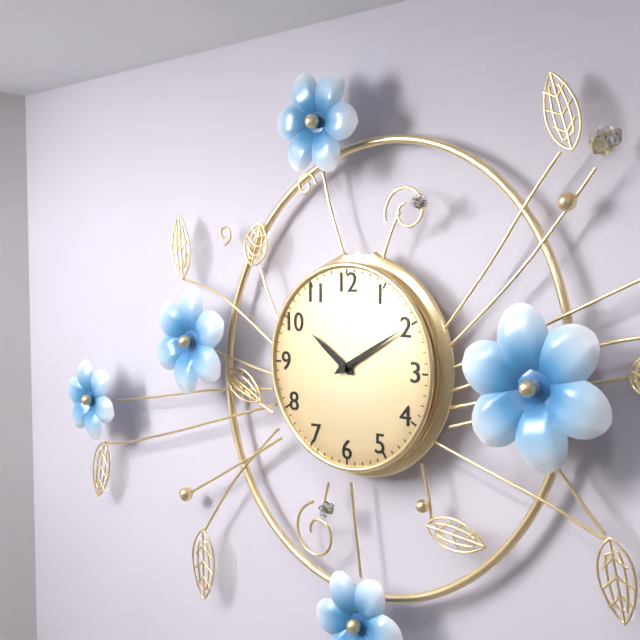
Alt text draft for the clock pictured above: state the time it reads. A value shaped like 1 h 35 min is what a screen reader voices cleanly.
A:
10 h 10 min
